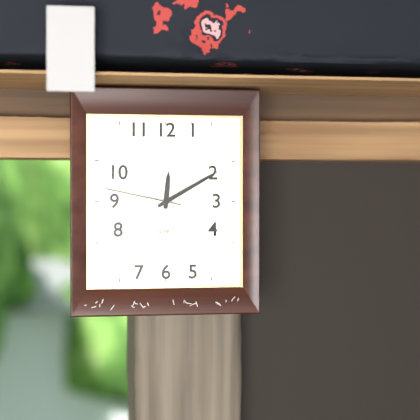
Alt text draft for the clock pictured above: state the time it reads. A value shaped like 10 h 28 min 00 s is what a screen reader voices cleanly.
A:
12 h 10 min 47 s
